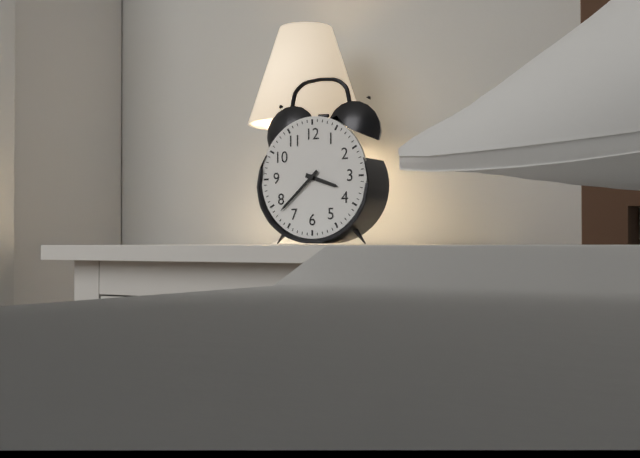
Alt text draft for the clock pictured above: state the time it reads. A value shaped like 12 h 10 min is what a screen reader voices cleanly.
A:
3 h 38 min
